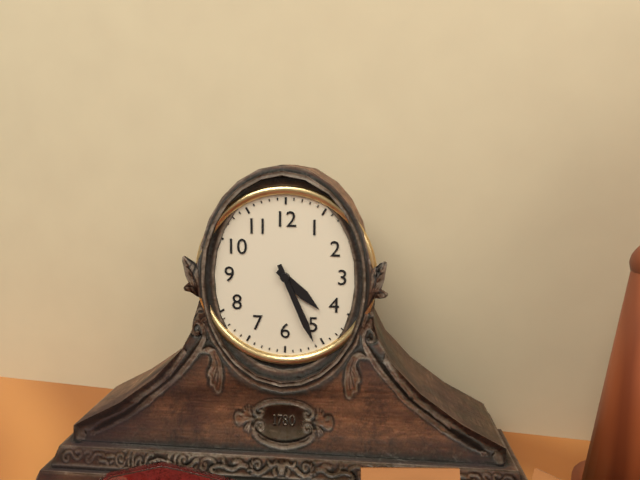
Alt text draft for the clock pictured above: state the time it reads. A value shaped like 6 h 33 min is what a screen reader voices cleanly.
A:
4 h 26 min
